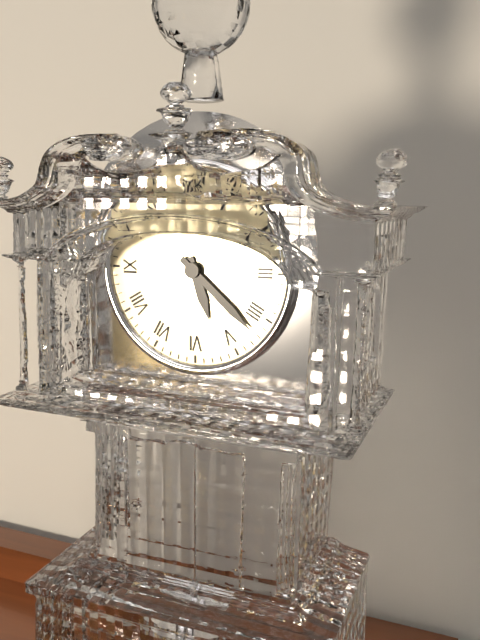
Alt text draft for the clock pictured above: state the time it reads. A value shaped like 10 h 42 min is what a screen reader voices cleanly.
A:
5 h 22 min
